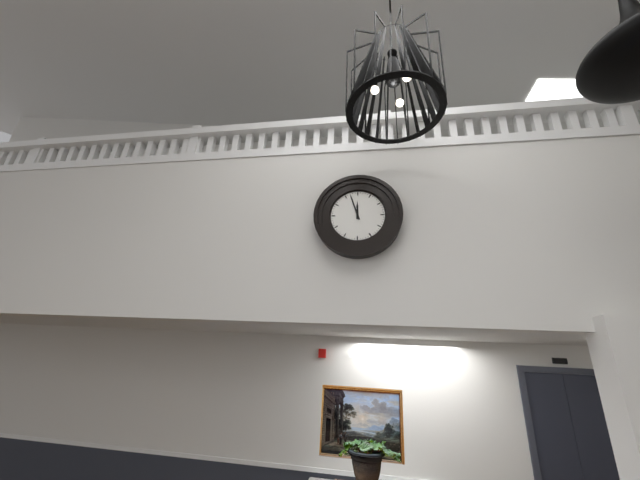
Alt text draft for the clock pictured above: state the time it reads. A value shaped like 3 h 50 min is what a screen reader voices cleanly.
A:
11 h 57 min
